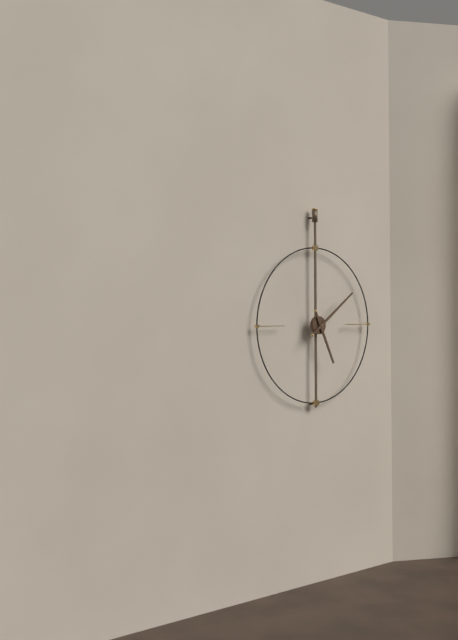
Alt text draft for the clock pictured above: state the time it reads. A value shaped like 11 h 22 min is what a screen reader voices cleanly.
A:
5 h 09 min
